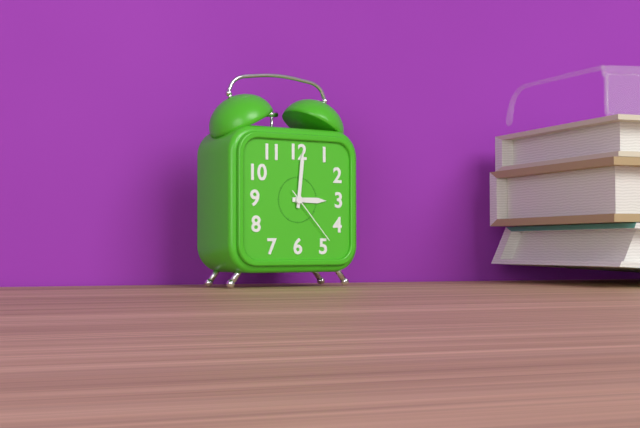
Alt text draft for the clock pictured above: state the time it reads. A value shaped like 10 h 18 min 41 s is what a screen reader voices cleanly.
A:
3 h 01 min 23 s
